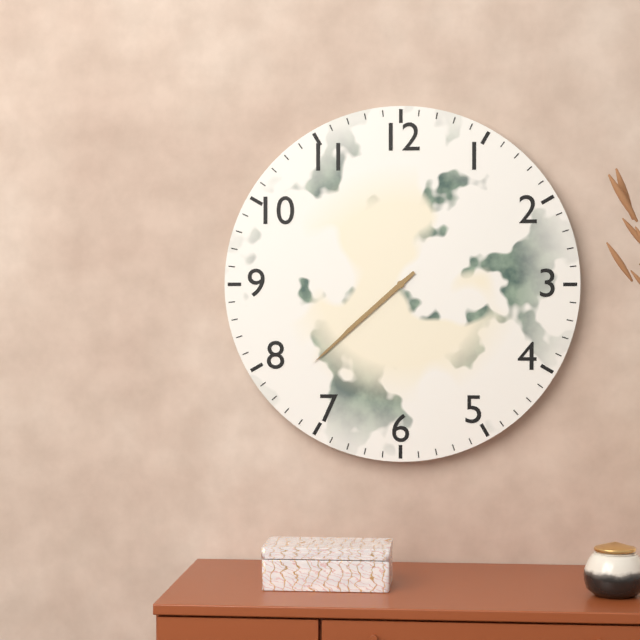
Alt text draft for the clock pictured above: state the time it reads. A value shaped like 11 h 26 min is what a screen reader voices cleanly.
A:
7 h 38 min
